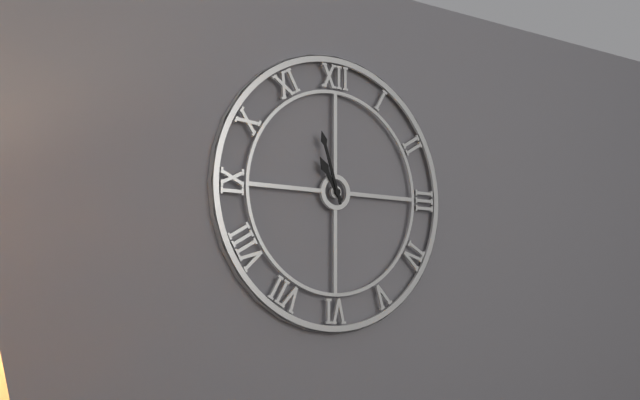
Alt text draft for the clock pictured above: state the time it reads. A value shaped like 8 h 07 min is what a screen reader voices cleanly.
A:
10 h 57 min
